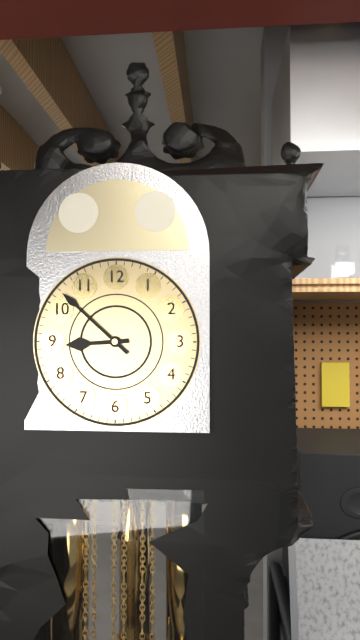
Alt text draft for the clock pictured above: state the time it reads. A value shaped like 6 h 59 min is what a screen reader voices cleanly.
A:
8 h 52 min
